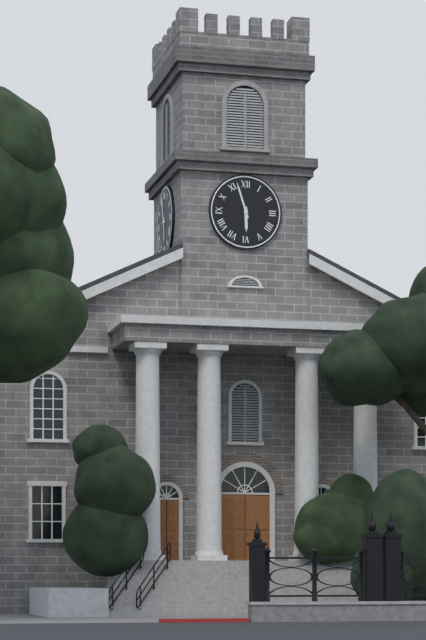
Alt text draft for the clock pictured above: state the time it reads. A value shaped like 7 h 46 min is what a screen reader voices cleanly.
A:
5 h 57 min
